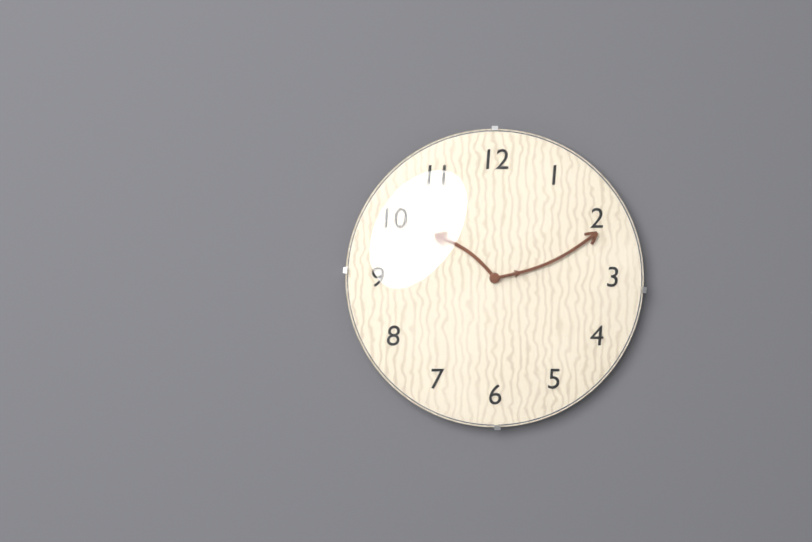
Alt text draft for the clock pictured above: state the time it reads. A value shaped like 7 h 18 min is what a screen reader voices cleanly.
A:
10 h 11 min
